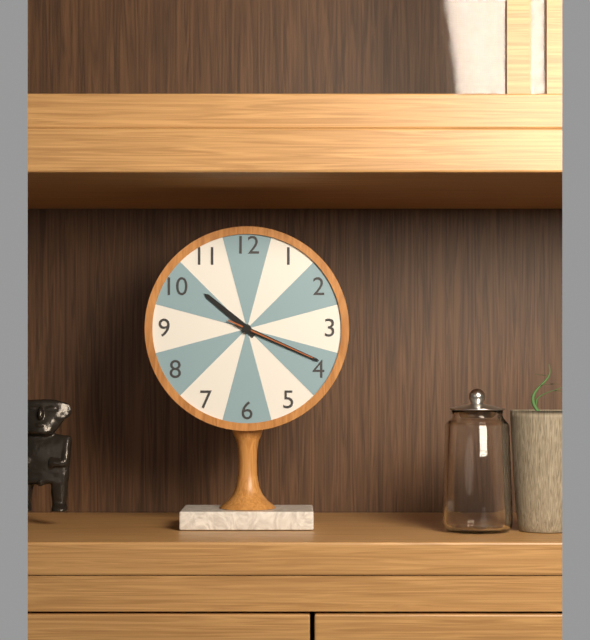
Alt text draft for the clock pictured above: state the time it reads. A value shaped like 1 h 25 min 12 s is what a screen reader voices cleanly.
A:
10 h 19 min 19 s
